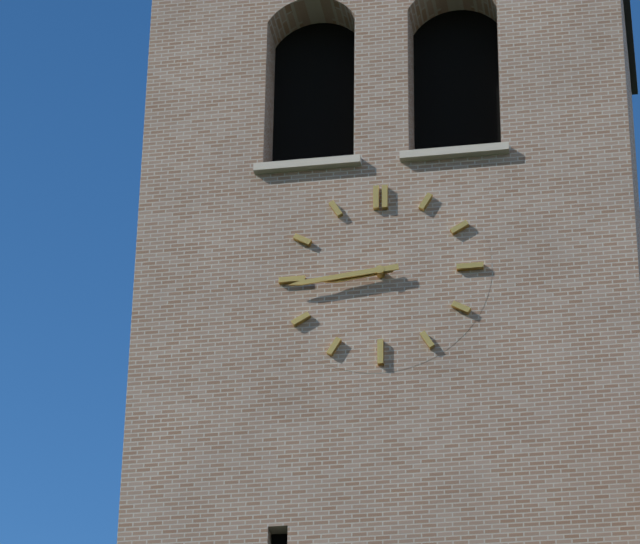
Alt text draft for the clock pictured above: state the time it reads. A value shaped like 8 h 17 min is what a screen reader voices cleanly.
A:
8 h 44 min
